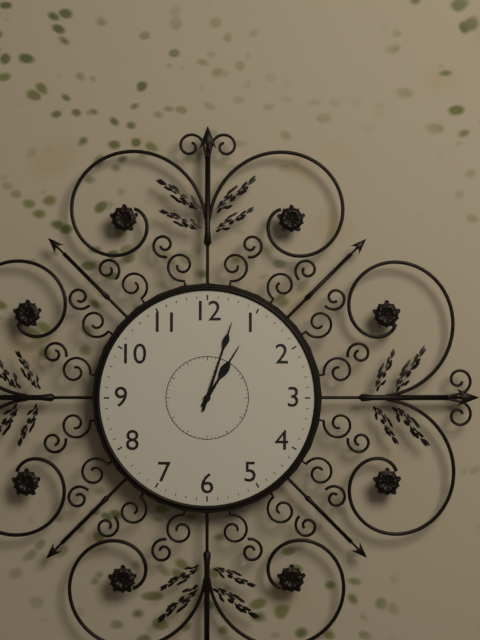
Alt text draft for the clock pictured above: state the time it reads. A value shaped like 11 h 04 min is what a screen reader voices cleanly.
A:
1 h 03 min
